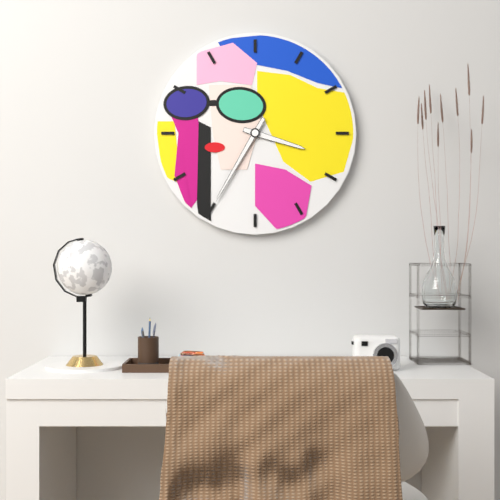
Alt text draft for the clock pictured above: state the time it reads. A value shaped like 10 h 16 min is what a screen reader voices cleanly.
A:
3 h 35 min
